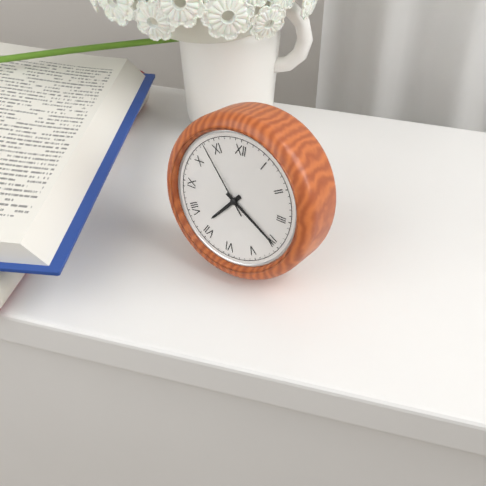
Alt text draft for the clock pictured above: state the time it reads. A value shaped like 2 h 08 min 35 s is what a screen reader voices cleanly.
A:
7 h 20 min 53 s
